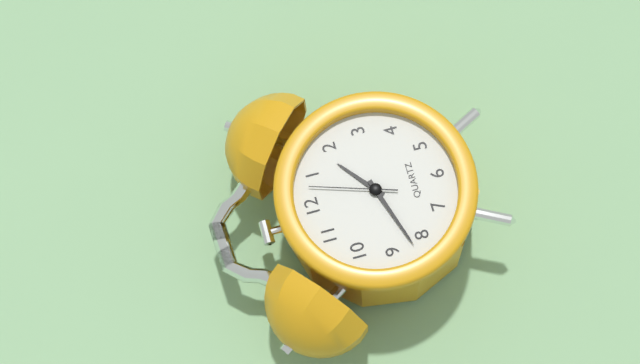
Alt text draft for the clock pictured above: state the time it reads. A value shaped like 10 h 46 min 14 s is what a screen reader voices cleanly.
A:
1 h 42 min 03 s
